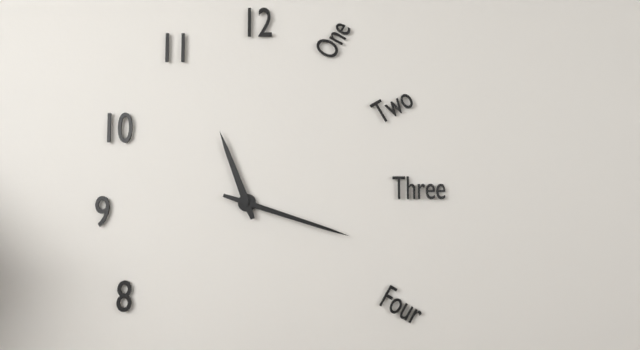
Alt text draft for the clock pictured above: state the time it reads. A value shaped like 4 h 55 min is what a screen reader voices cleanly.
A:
11 h 18 min
